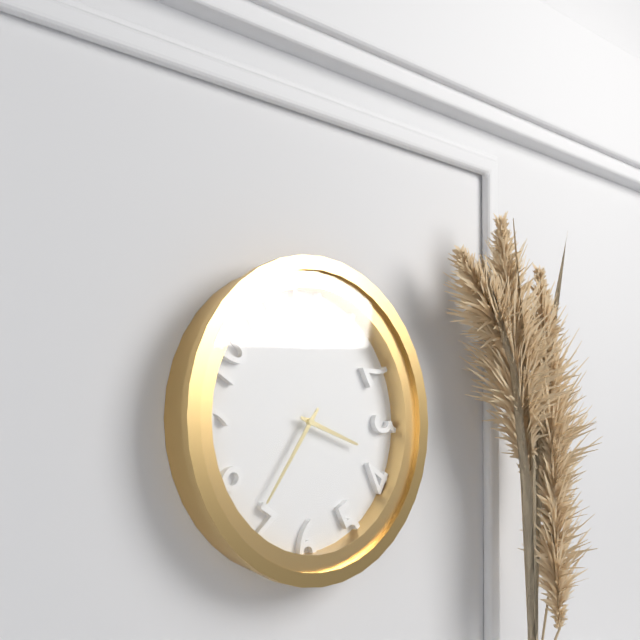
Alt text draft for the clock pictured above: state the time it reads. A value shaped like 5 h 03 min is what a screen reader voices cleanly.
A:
3 h 36 min
